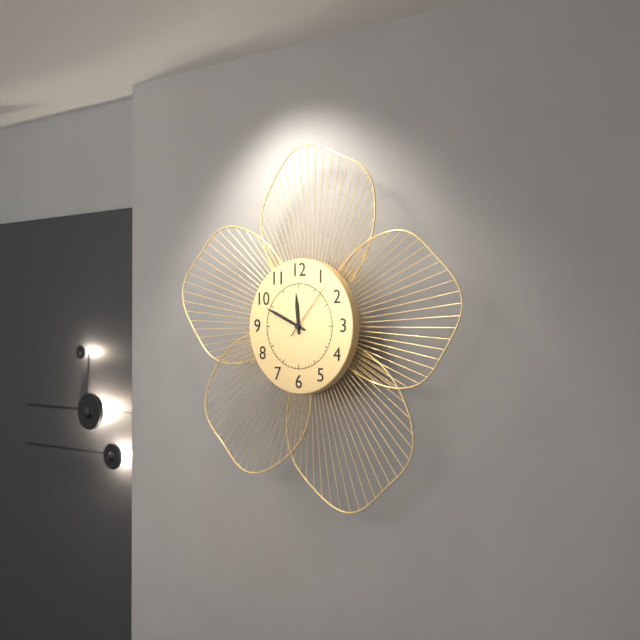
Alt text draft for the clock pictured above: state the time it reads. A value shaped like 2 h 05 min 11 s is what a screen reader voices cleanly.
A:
11 h 49 min 07 s
